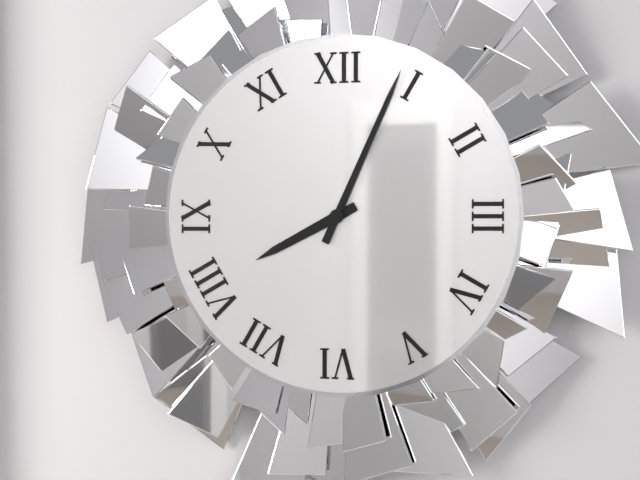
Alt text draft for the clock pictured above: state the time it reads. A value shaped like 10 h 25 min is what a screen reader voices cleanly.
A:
8 h 04 min
